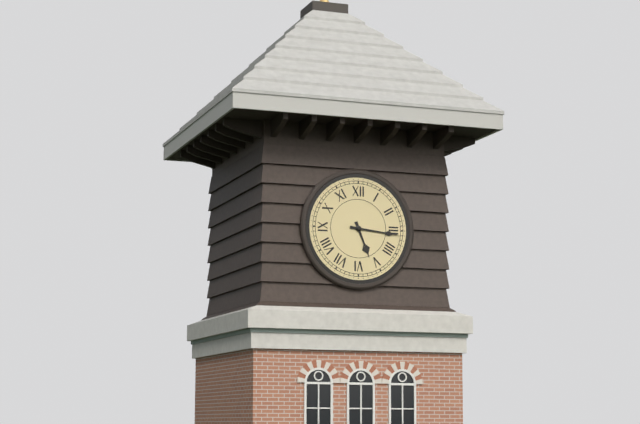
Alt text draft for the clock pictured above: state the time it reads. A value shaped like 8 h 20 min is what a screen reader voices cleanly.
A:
5 h 16 min
